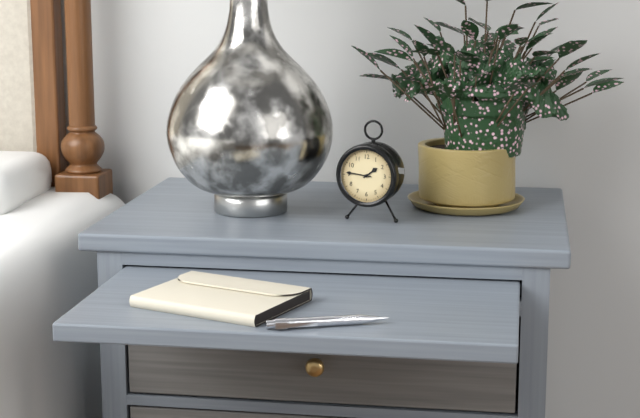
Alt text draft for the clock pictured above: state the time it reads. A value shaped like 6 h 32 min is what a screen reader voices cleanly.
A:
1 h 46 min
